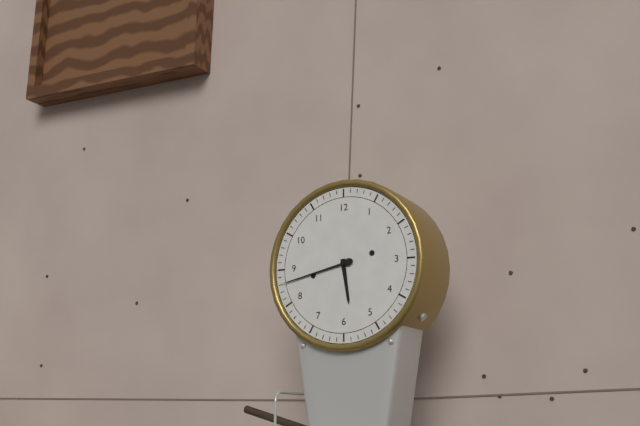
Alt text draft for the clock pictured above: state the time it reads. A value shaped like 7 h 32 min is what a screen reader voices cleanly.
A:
5 h 43 min
